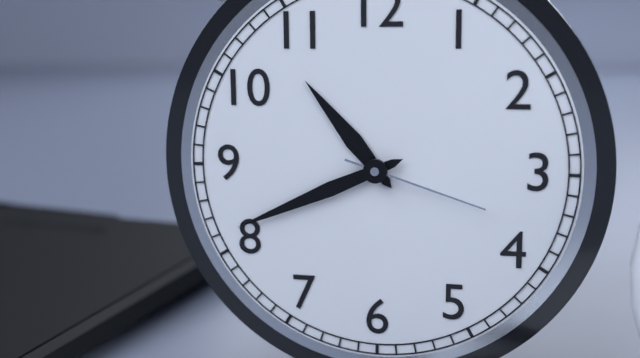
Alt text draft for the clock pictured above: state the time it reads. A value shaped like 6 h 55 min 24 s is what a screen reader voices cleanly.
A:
10 h 41 min 18 s
